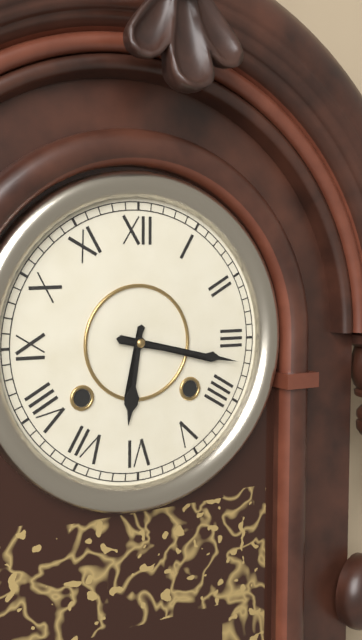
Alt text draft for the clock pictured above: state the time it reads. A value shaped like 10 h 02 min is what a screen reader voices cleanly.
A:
6 h 17 min
